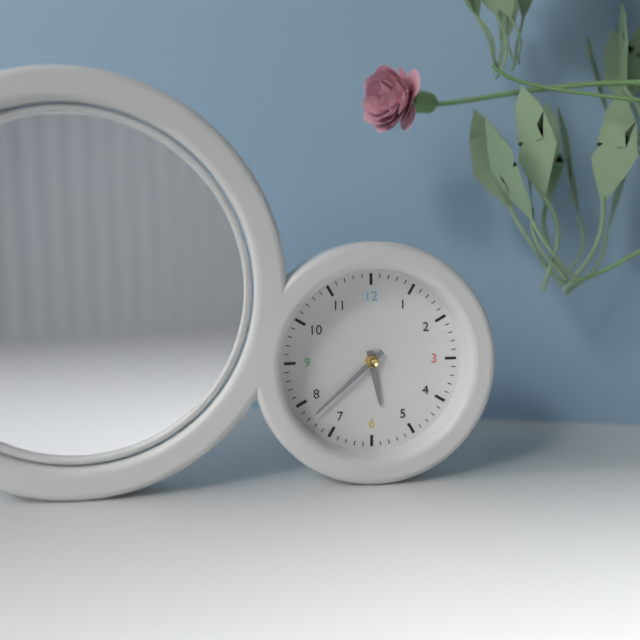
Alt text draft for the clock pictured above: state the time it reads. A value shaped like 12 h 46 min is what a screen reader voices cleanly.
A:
5 h 38 min
